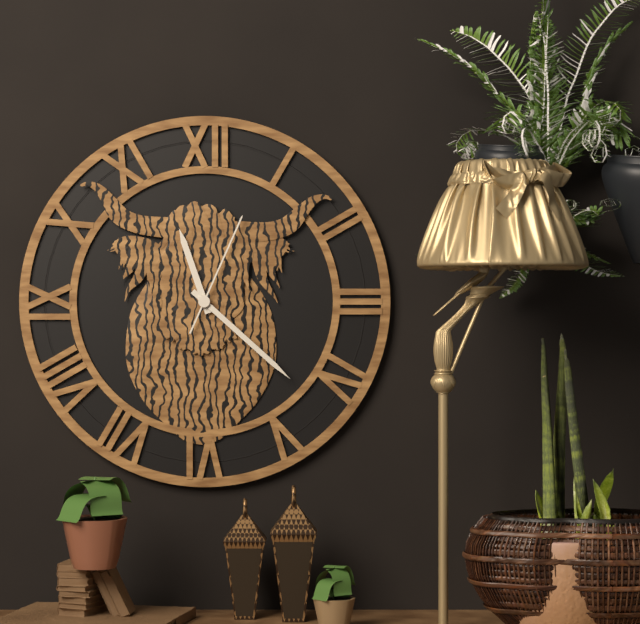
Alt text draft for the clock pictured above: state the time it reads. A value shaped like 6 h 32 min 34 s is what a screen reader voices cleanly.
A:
11 h 22 min 04 s
